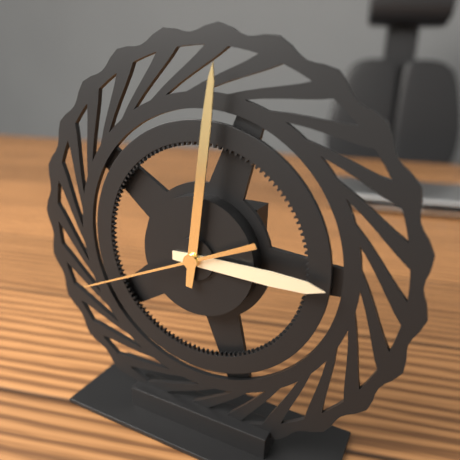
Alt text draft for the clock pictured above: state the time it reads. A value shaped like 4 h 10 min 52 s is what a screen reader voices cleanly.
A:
3 h 01 min 41 s
